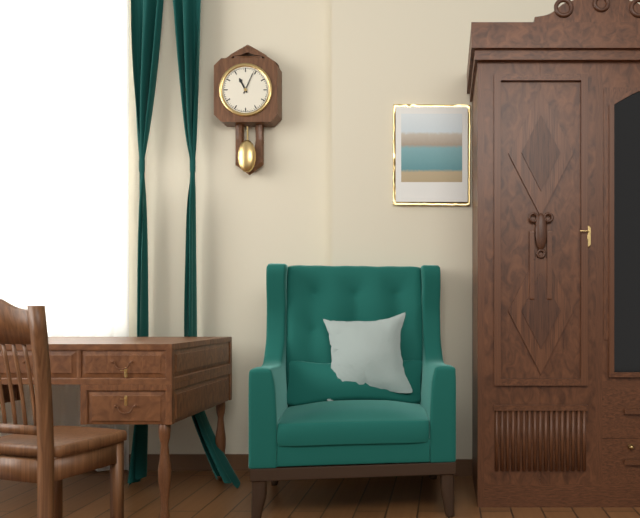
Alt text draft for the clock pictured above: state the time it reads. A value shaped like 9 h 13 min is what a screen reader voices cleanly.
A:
11 h 04 min
